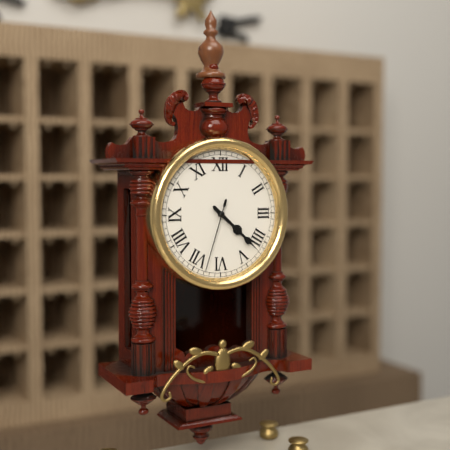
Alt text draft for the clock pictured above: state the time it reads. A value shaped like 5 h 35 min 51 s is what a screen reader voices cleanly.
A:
4 h 22 min 33 s
